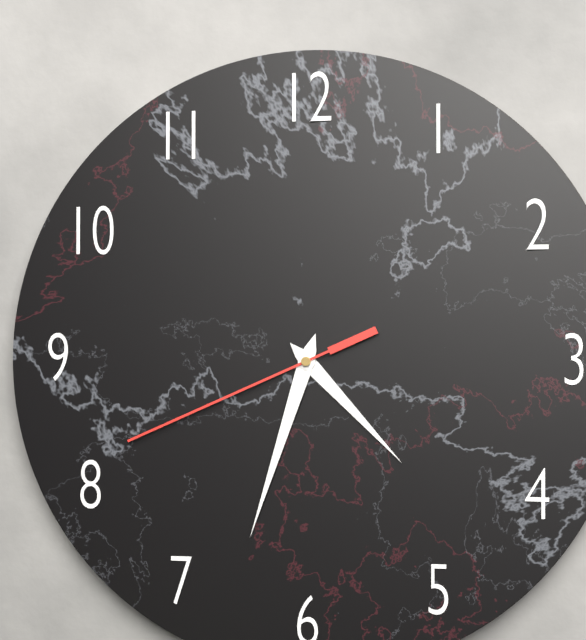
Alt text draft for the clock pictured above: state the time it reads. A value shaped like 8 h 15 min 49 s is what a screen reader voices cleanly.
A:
4 h 33 min 41 s
